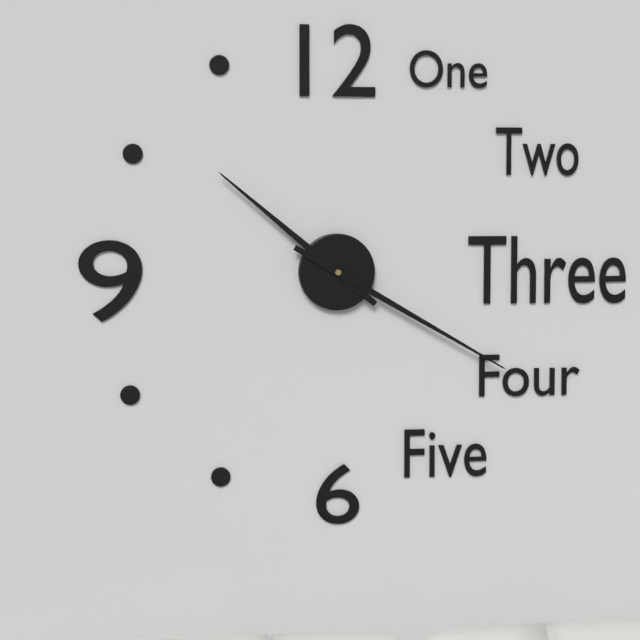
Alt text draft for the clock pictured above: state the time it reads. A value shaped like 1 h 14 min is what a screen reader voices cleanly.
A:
10 h 20 min
